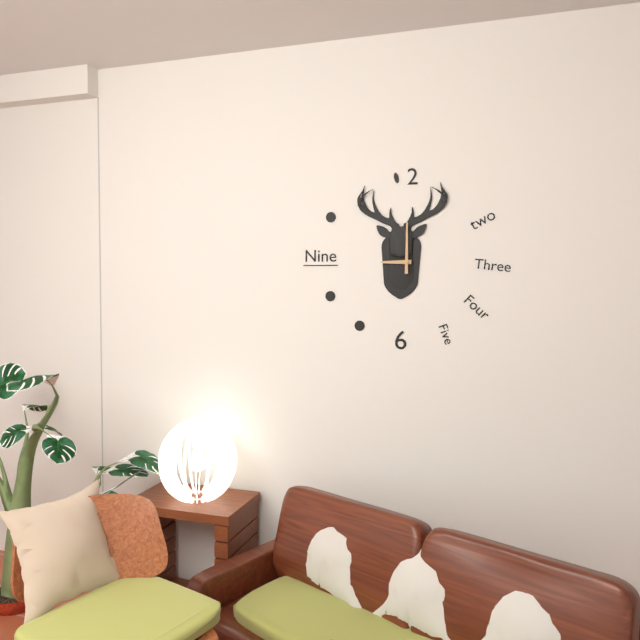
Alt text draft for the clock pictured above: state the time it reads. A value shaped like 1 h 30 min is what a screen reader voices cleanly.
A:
9 h 00 min
